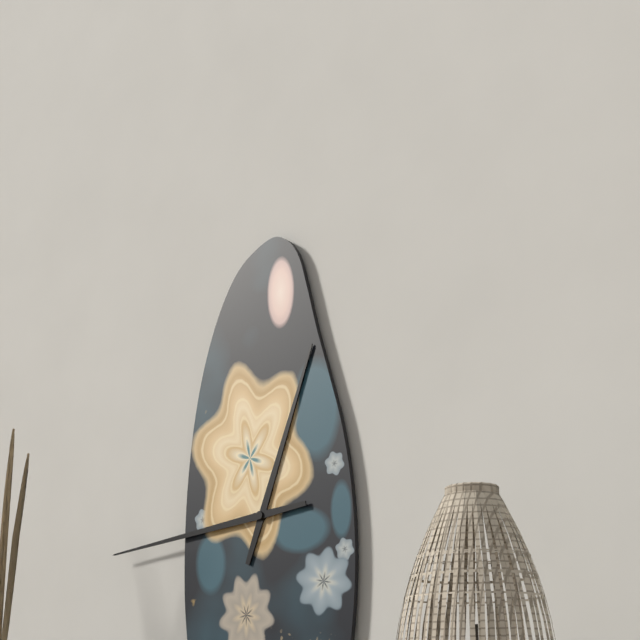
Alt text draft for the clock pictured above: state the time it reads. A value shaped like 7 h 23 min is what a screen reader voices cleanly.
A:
12 h 44 min
